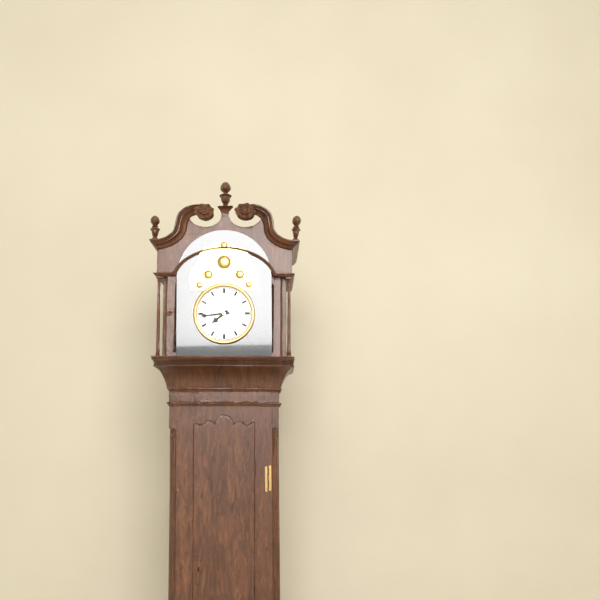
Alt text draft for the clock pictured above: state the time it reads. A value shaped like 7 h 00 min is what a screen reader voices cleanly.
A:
7 h 44 min
